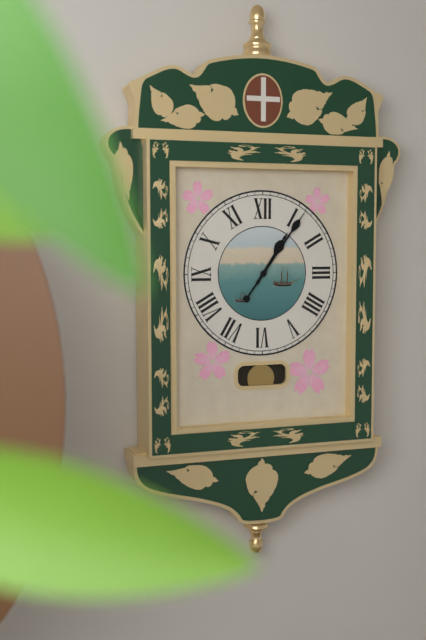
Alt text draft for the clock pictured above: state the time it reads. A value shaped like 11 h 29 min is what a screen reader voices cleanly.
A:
1 h 06 min
